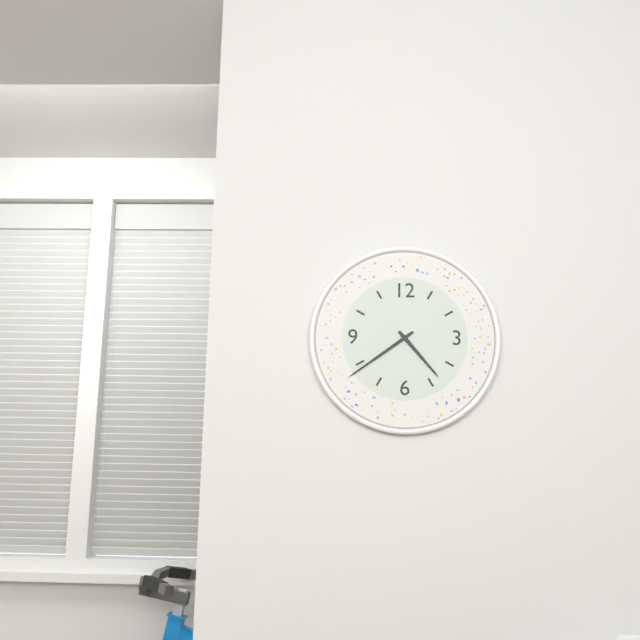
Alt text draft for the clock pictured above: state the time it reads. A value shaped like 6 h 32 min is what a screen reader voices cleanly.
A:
4 h 39 min
